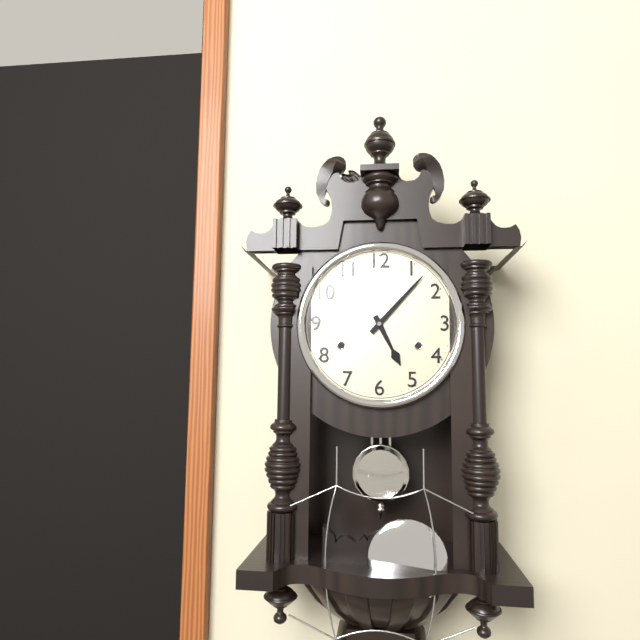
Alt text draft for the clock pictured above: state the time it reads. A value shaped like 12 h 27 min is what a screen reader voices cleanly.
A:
5 h 07 min
